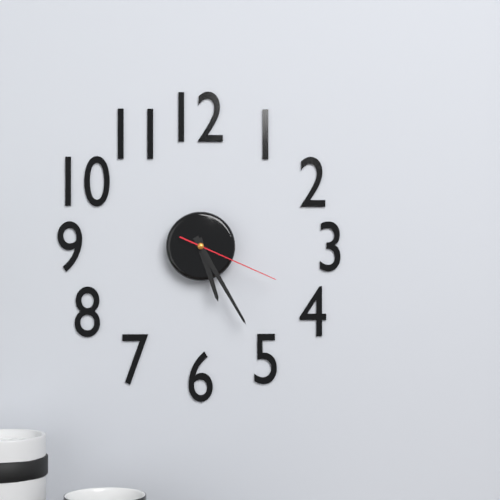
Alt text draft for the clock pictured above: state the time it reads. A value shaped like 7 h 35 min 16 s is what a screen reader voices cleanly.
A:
5 h 25 min 19 s
